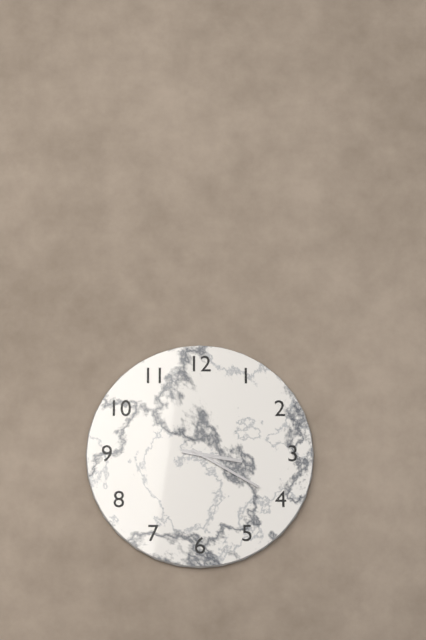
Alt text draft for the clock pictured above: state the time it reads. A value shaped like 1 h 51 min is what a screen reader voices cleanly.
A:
3 h 20 min
